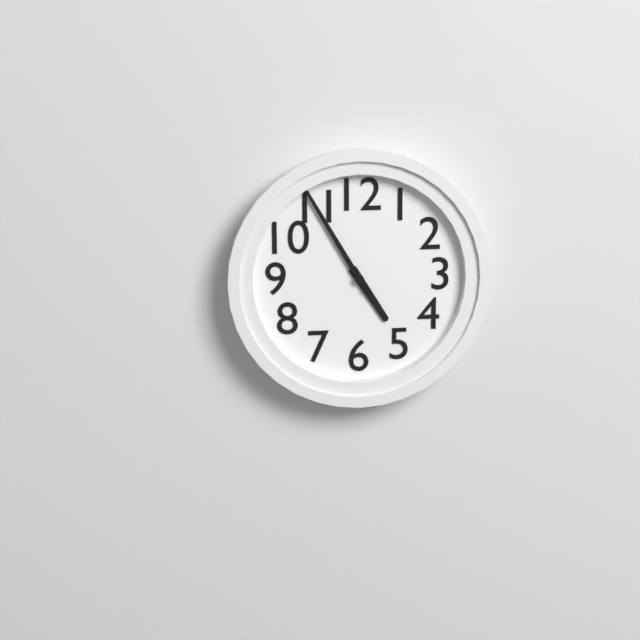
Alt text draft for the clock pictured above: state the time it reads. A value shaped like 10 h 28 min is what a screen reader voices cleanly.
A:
4 h 55 min
